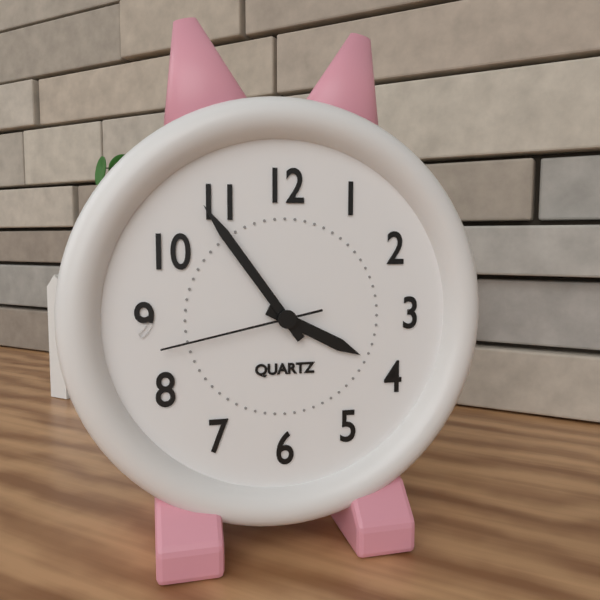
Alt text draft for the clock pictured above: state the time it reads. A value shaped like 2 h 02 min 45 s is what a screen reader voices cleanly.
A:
3 h 54 min 43 s
